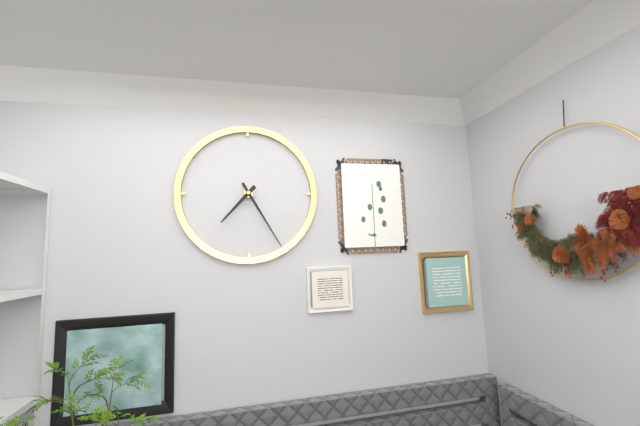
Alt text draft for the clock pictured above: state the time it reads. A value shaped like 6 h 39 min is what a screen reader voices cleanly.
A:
7 h 25 min
